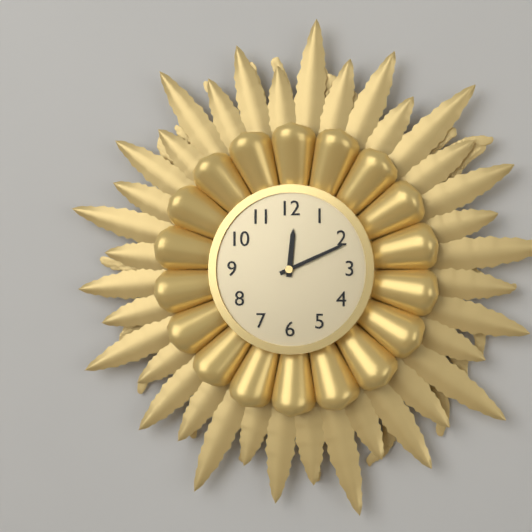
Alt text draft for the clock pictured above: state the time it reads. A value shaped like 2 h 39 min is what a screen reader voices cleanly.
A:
12 h 11 min
